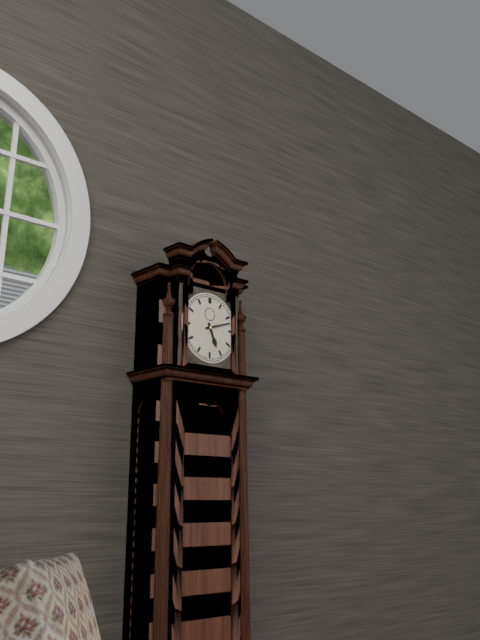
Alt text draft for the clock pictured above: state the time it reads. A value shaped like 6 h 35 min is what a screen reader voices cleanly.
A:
5 h 12 min
